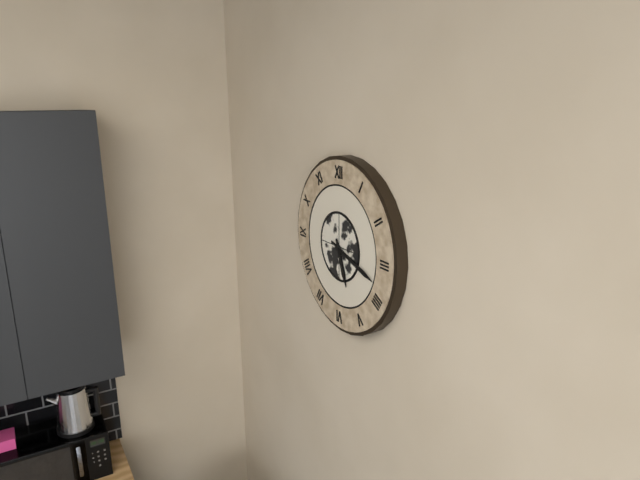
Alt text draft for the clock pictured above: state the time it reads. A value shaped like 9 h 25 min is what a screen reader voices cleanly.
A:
5 h 18 min
